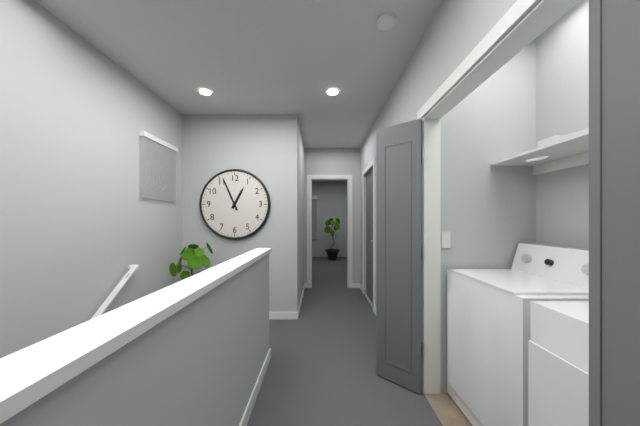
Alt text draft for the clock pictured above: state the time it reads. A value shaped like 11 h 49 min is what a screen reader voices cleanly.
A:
12 h 56 min
